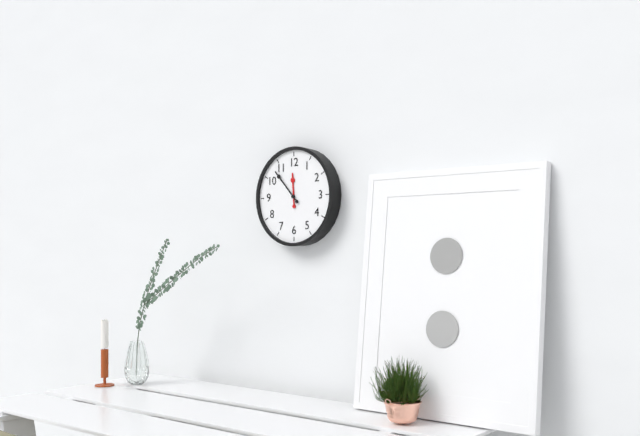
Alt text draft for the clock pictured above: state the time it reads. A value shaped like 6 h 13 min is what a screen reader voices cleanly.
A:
11 h 53 min
